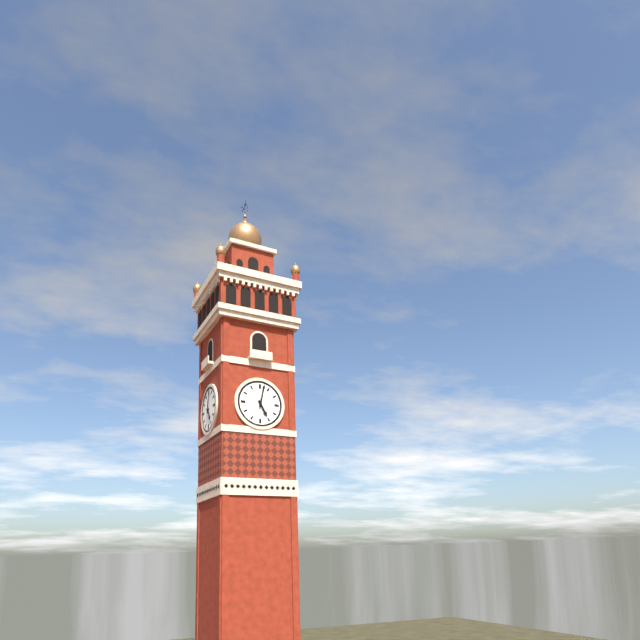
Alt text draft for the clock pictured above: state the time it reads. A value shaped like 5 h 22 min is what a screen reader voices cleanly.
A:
5 h 02 min
